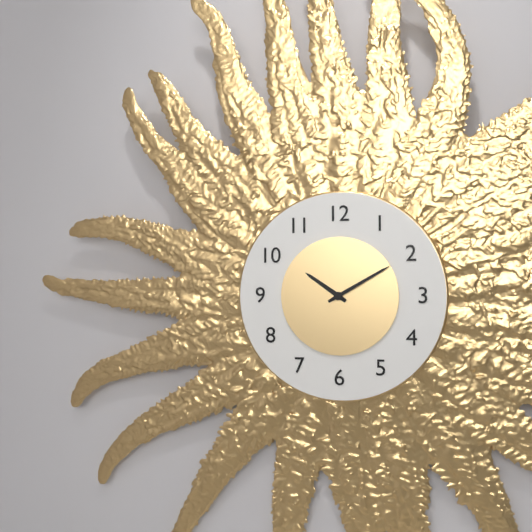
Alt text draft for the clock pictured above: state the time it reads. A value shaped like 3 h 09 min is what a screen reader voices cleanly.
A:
10 h 10 min
